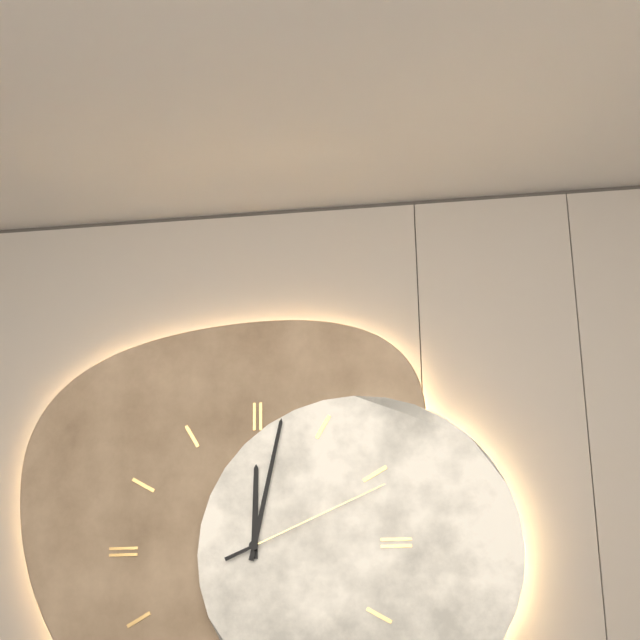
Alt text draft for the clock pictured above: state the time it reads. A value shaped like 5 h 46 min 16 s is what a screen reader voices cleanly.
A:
12 h 02 min 11 s
